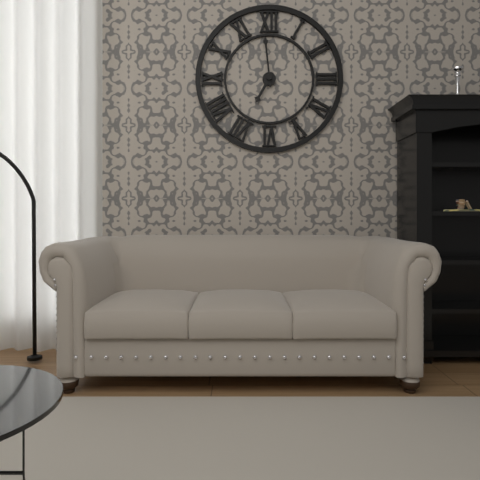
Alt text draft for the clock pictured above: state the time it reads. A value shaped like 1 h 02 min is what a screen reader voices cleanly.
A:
6 h 59 min
